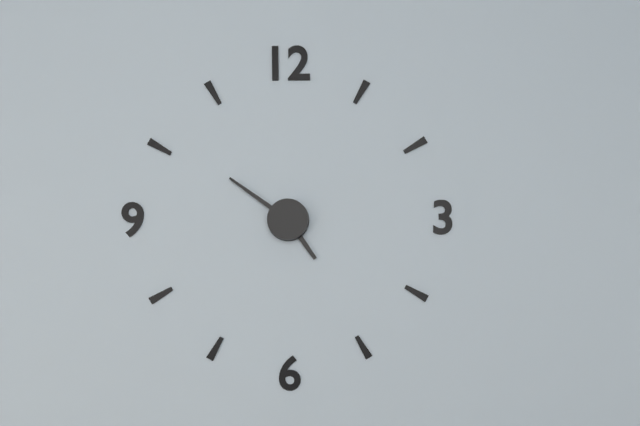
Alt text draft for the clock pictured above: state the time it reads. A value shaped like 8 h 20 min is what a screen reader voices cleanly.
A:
4 h 51 min
